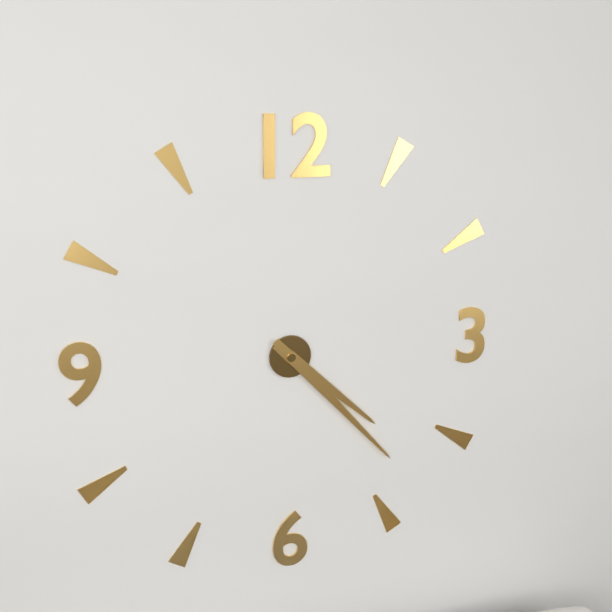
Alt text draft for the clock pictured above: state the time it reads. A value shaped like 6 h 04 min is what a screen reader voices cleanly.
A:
4 h 23 min
